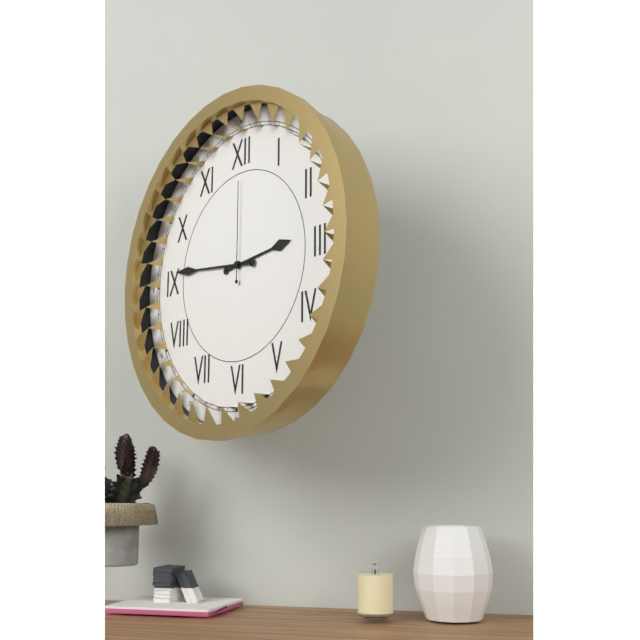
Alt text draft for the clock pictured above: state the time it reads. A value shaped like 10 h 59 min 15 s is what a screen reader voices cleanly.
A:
2 h 46 min 00 s
